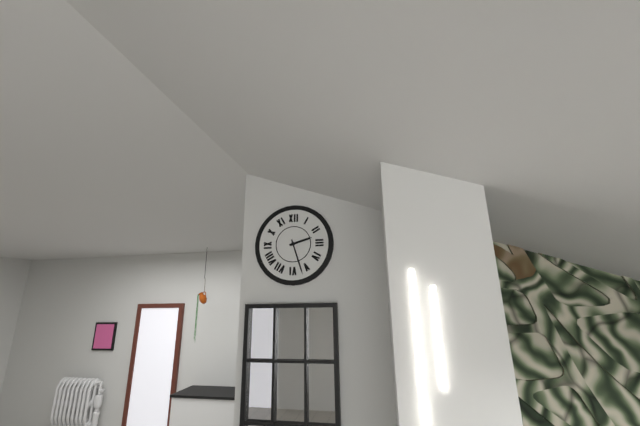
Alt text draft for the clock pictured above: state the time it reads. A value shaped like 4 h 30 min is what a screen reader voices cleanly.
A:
2 h 27 min
